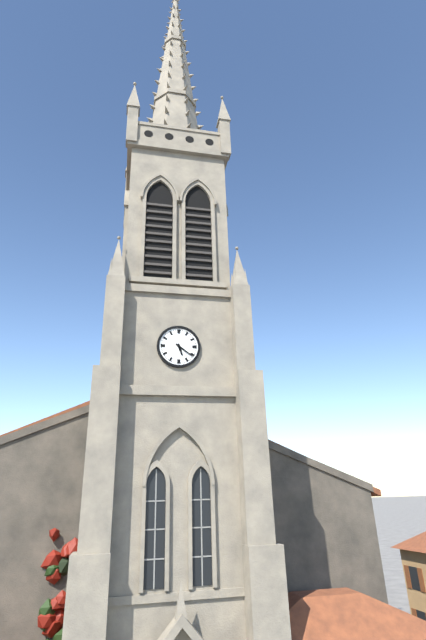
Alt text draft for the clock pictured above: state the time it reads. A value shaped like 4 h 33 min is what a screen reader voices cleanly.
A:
5 h 21 min
